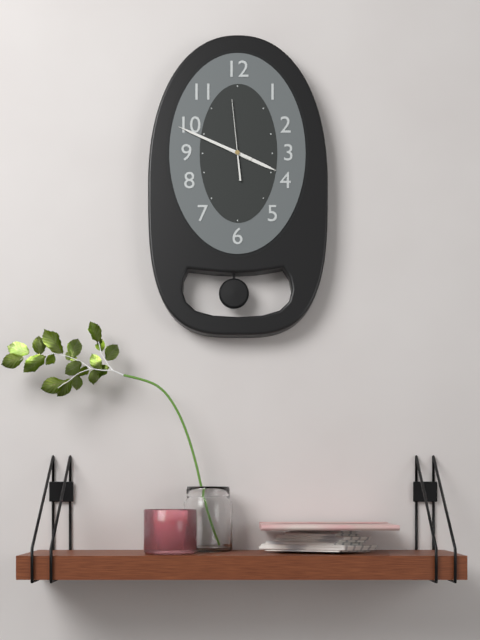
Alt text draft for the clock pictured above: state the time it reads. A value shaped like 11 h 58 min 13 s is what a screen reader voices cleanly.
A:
3 h 49 min 59 s
